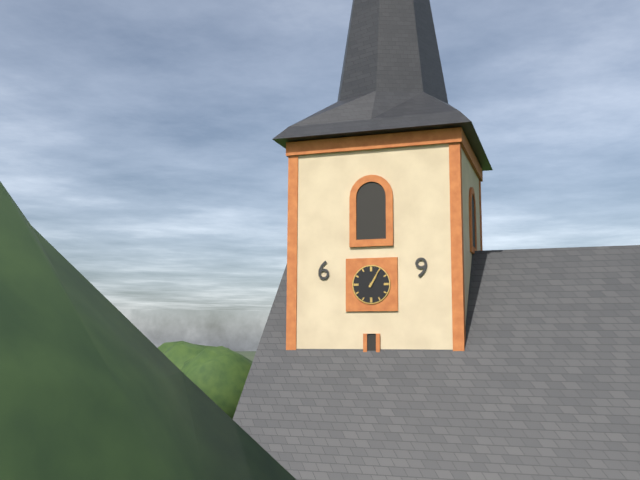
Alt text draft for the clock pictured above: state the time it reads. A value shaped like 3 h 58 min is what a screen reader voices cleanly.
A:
1 h 05 min
